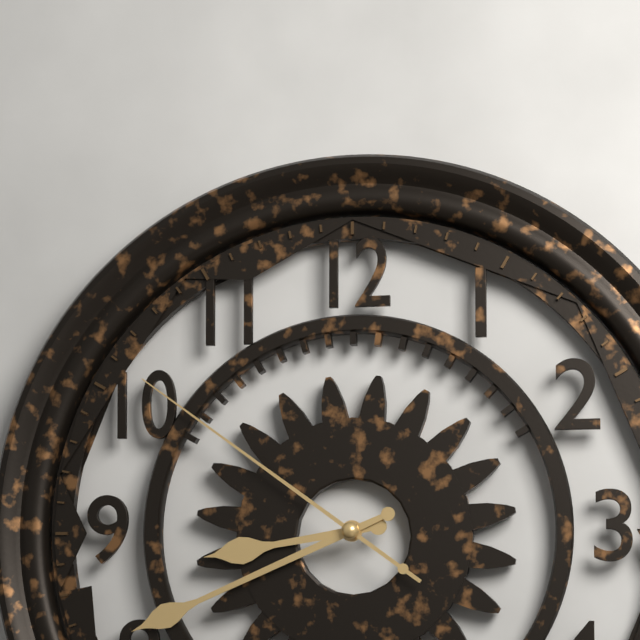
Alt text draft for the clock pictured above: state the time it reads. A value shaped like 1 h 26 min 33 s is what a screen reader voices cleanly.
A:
8 h 41 min 51 s
